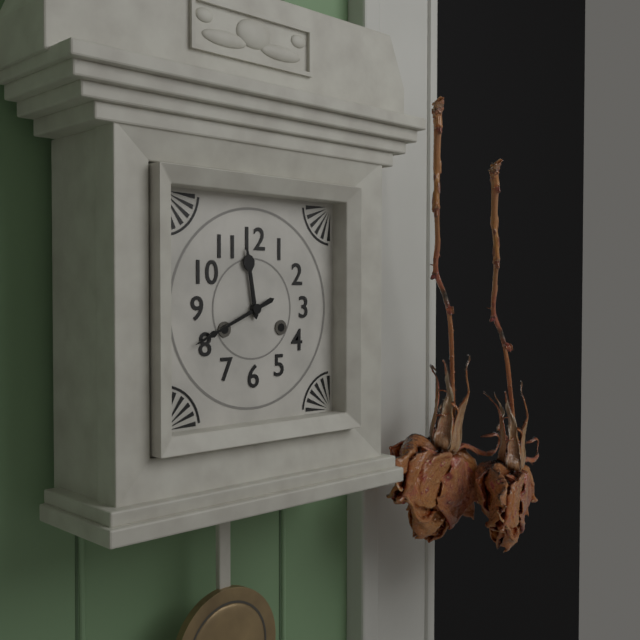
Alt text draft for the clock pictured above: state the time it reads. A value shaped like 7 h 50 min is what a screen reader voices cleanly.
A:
11 h 41 min
